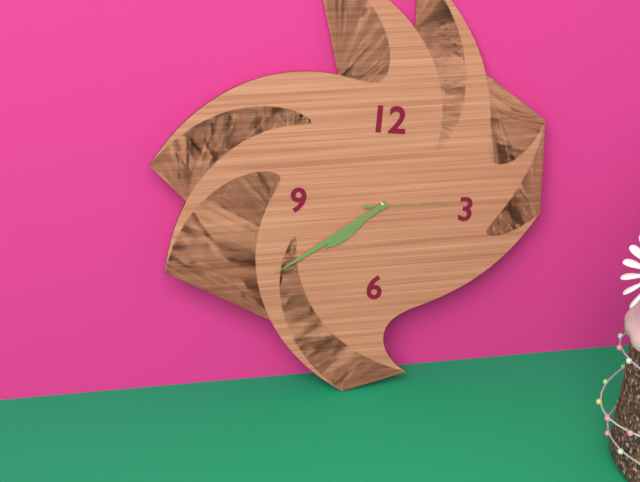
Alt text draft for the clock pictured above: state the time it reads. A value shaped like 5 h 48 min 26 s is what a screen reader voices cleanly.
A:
7 h 39 min 14 s
